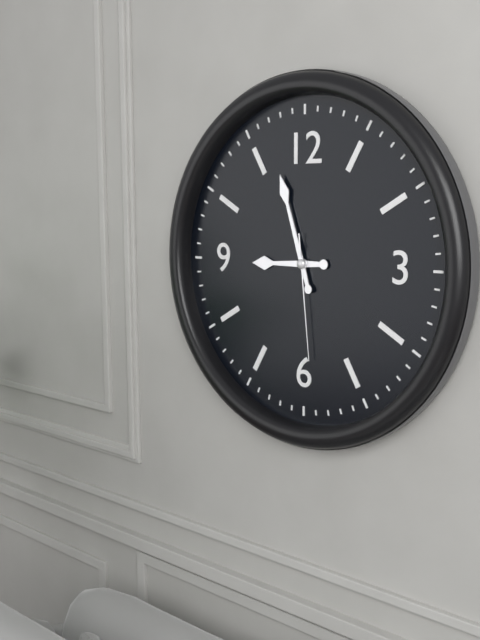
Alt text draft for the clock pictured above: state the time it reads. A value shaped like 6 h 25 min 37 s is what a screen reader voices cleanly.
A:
8 h 57 min 29 s
